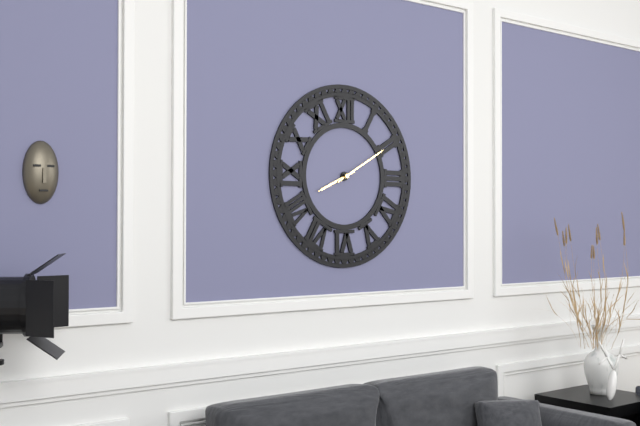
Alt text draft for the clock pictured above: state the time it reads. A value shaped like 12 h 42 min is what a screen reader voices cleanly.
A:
8 h 10 min
